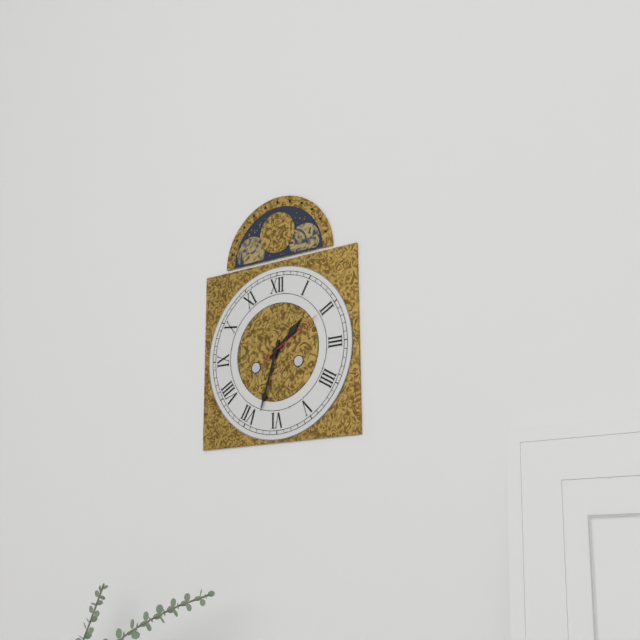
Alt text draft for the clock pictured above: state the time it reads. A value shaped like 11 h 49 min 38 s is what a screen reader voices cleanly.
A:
1 h 33 min 10 s
